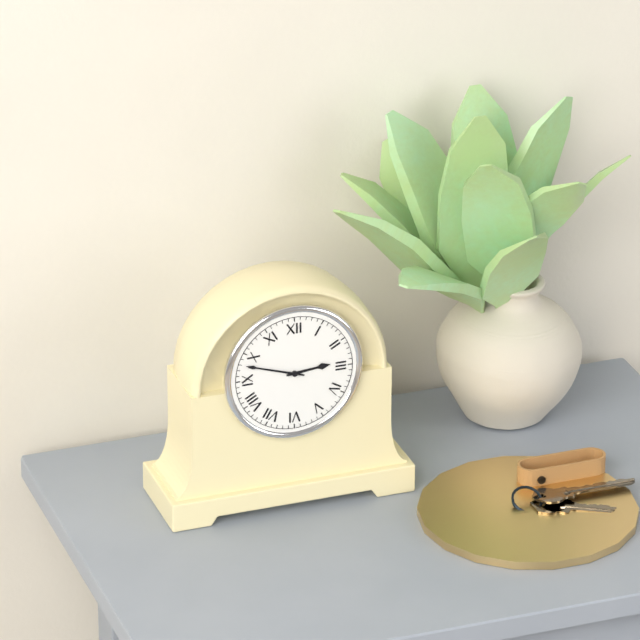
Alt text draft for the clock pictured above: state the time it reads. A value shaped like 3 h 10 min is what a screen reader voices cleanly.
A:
2 h 48 min
